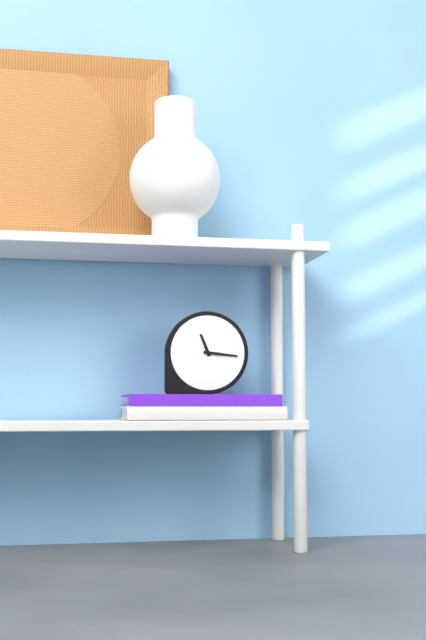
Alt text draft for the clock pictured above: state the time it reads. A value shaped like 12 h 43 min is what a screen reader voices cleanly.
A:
11 h 16 min
